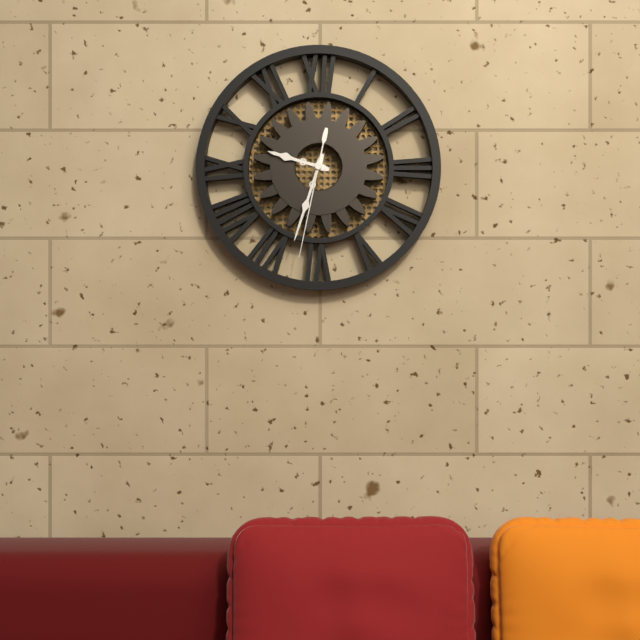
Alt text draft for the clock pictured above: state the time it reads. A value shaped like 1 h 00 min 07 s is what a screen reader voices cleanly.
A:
9 h 33 min 32 s
